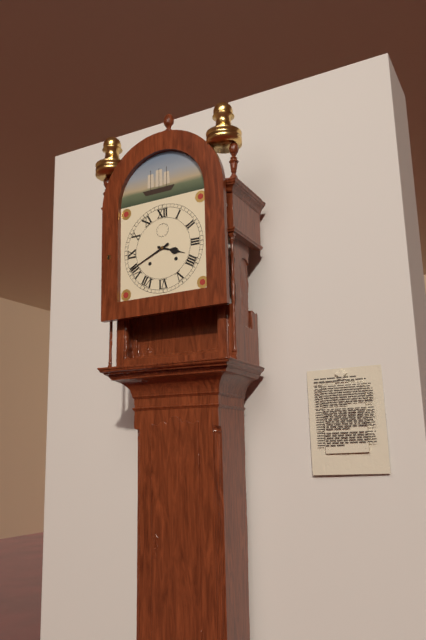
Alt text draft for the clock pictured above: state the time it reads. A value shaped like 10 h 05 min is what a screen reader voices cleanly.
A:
3 h 41 min
